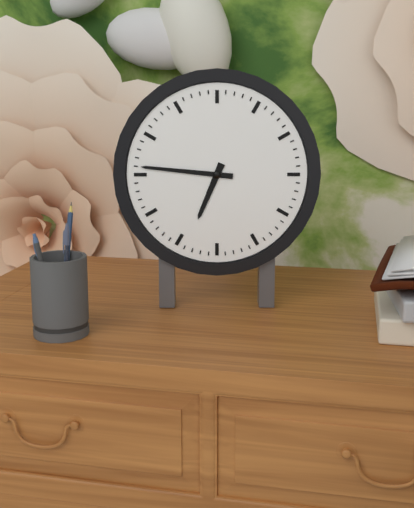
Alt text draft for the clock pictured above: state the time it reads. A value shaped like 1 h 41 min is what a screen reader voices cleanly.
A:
6 h 46 min
